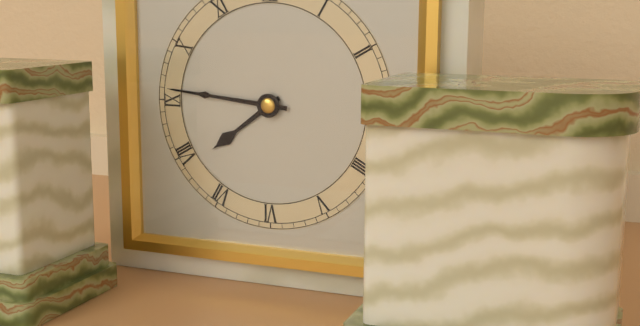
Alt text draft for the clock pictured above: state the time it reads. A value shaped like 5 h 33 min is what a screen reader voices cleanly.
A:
7 h 46 min
